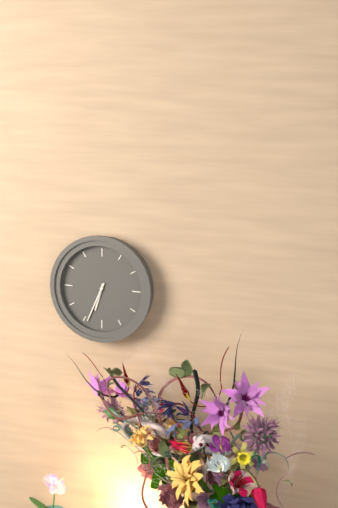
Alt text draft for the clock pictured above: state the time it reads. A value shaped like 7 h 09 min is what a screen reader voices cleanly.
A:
6 h 34 min
